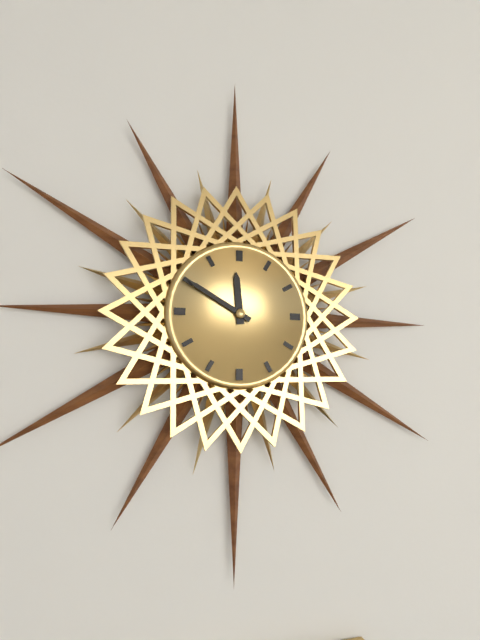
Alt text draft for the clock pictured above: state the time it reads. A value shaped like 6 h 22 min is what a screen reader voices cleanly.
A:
11 h 50 min
